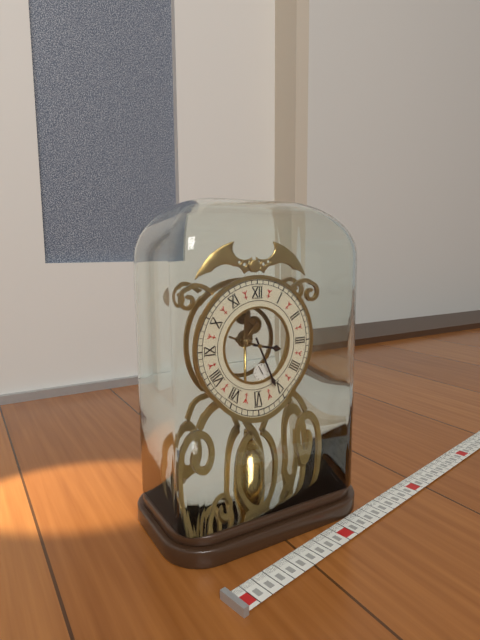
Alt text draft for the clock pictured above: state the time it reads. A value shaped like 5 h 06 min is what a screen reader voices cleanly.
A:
3 h 26 min
